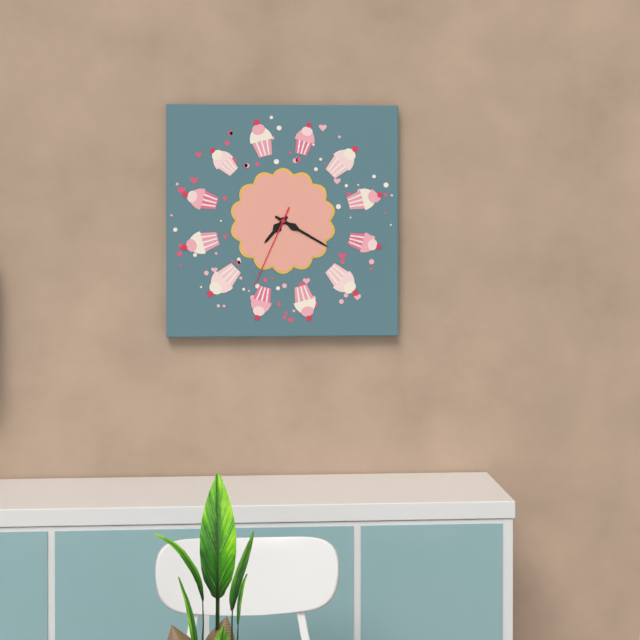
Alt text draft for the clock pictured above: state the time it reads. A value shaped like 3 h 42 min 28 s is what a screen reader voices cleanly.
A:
7 h 20 min 34 s
